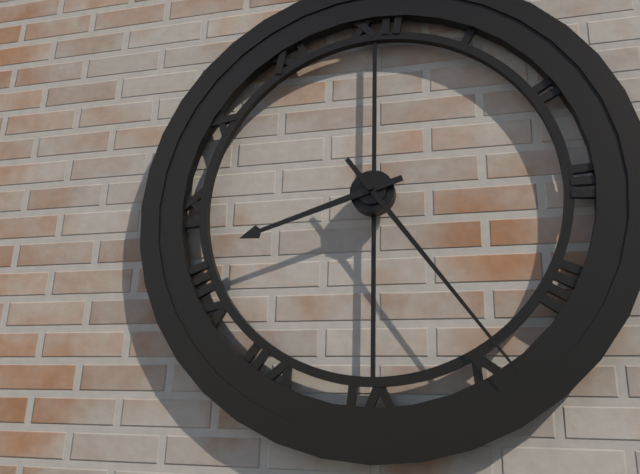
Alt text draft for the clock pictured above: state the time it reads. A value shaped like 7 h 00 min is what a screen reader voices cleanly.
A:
8 h 24 min
